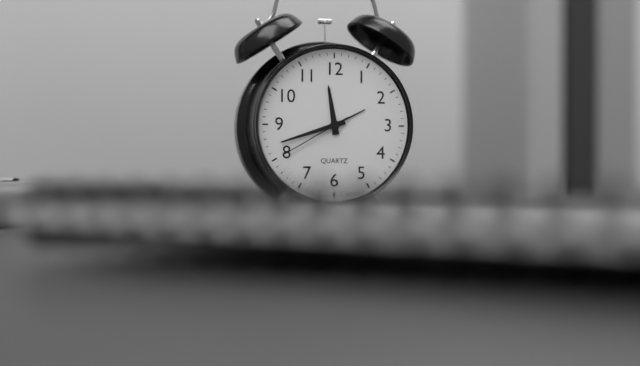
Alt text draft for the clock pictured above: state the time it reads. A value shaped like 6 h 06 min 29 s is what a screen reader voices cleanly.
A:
11 h 42 min 40 s
